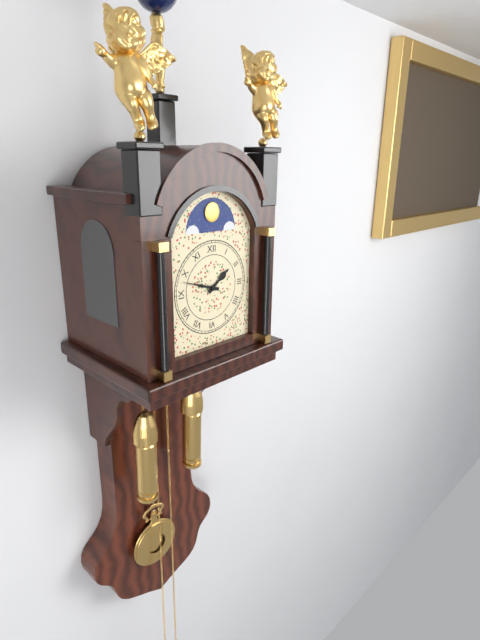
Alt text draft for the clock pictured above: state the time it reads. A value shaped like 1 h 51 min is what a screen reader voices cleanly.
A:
1 h 48 min
